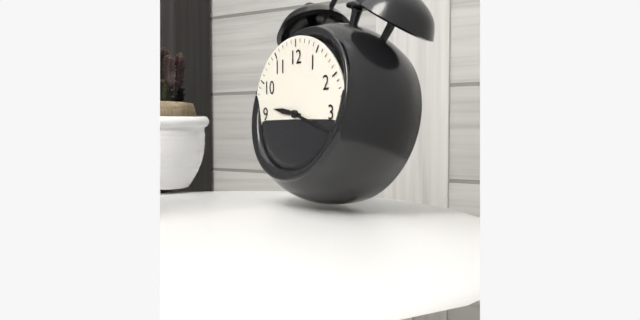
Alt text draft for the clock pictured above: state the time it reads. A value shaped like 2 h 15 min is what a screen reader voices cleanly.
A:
9 h 18 min
